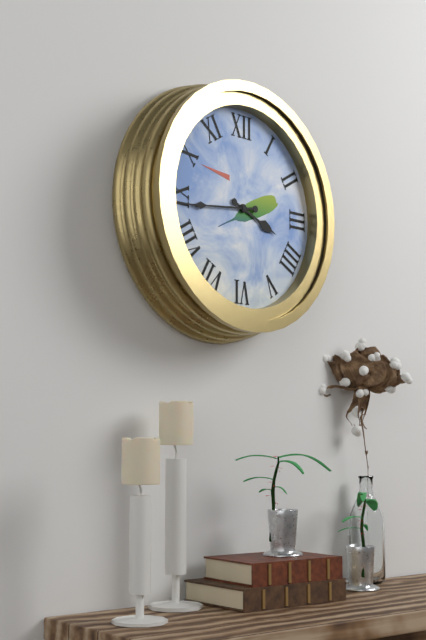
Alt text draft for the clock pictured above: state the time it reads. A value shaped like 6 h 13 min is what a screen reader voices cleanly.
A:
3 h 44 min
